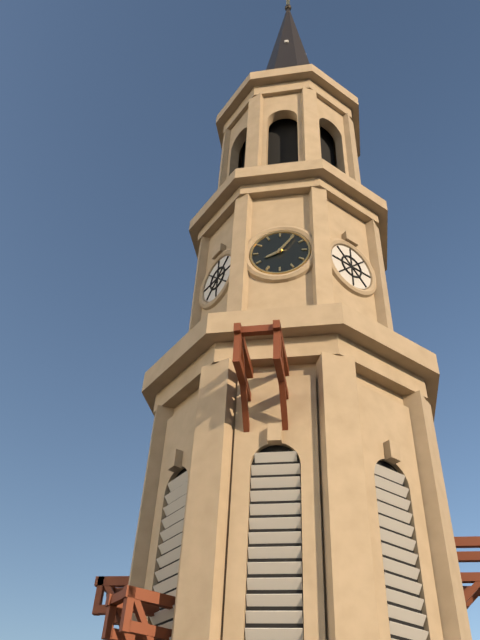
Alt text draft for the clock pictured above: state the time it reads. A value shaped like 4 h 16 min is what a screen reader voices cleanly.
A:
8 h 06 min
